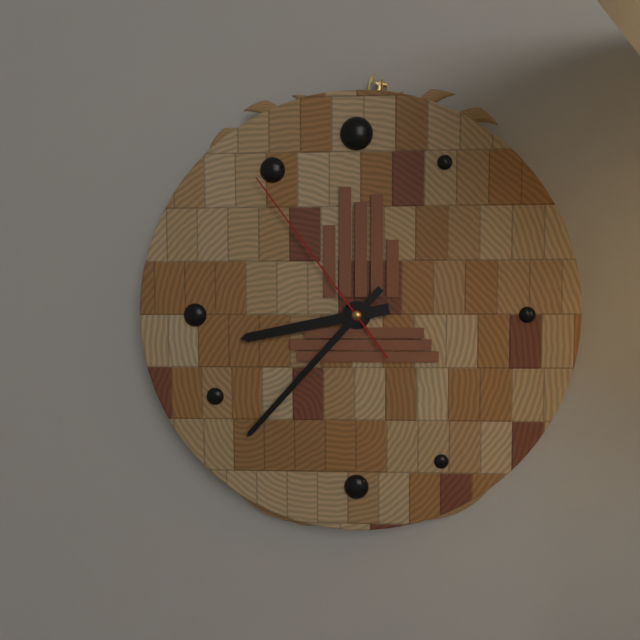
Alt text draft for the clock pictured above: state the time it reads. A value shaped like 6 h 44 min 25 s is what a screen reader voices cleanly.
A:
8 h 37 min 54 s
